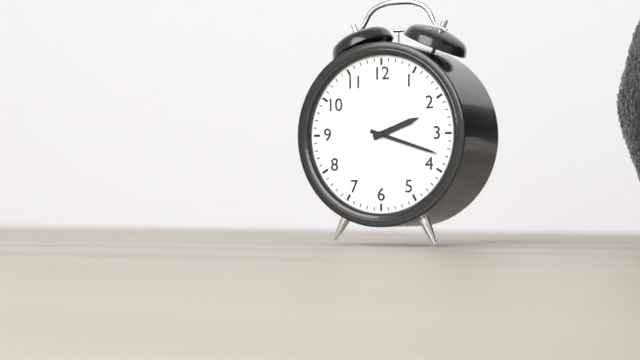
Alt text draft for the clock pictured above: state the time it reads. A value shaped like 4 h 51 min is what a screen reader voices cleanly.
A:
2 h 18 min
